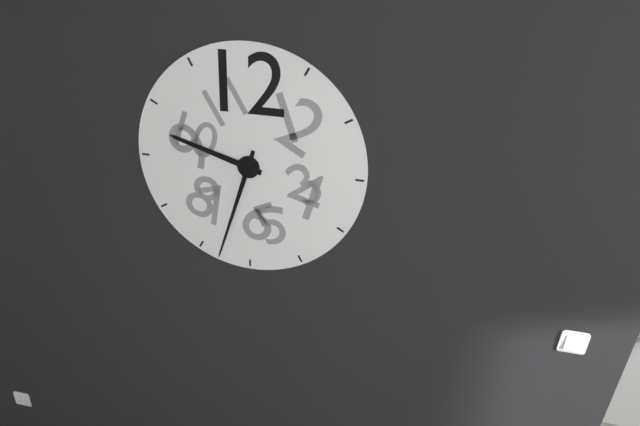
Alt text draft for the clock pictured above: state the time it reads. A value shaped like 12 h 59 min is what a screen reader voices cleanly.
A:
9 h 33 min
